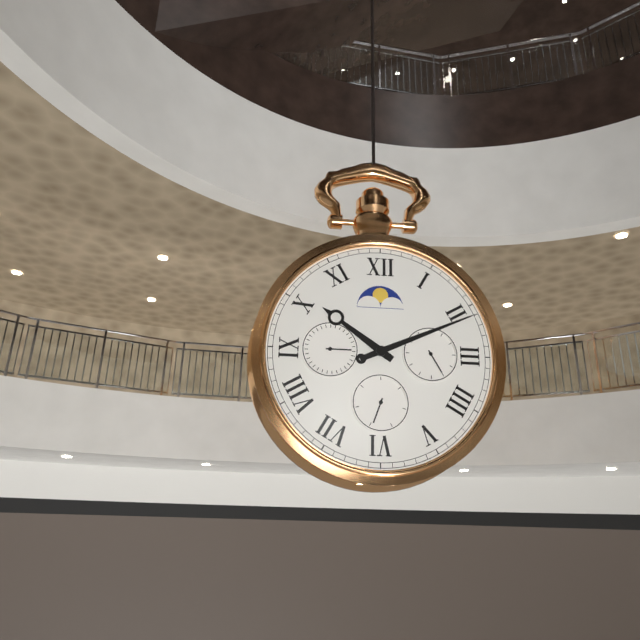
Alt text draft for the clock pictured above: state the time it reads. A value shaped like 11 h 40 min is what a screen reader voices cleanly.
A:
10 h 11 min
